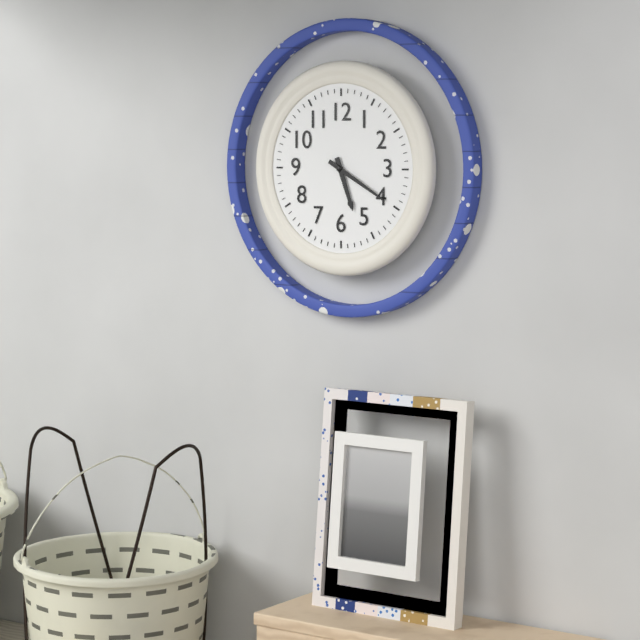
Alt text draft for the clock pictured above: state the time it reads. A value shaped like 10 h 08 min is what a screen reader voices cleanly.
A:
5 h 20 min
